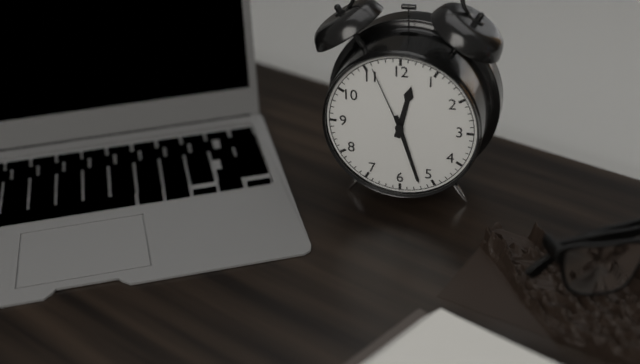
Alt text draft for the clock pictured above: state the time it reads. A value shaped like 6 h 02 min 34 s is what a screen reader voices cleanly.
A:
12 h 27 min 56 s
